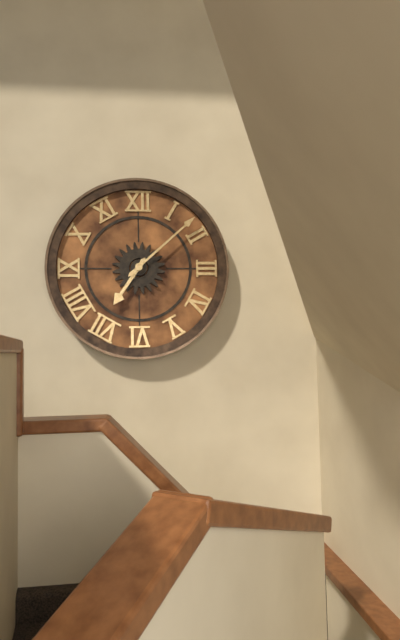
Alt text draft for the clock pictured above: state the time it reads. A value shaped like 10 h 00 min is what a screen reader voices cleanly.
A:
7 h 08 min
